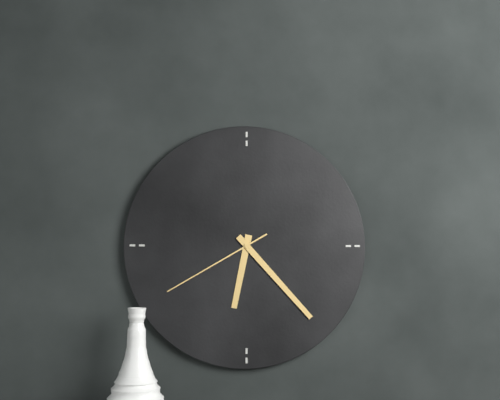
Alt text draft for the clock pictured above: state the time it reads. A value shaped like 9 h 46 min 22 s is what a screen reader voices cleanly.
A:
6 h 23 min 40 s
